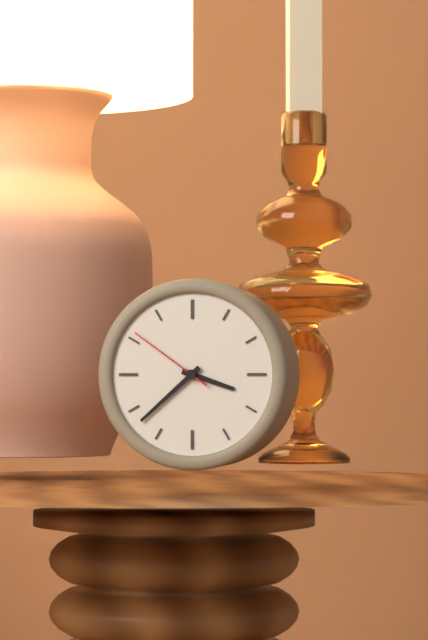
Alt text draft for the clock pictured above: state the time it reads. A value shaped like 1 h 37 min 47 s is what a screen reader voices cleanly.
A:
3 h 38 min 51 s
